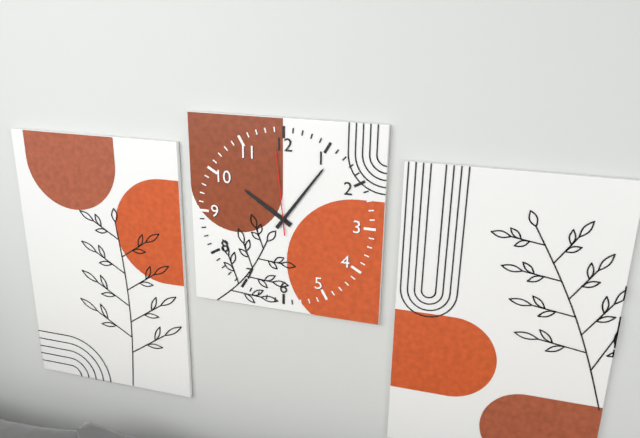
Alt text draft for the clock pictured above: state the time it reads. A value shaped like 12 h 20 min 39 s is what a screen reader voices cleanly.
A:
10 h 06 min 59 s
